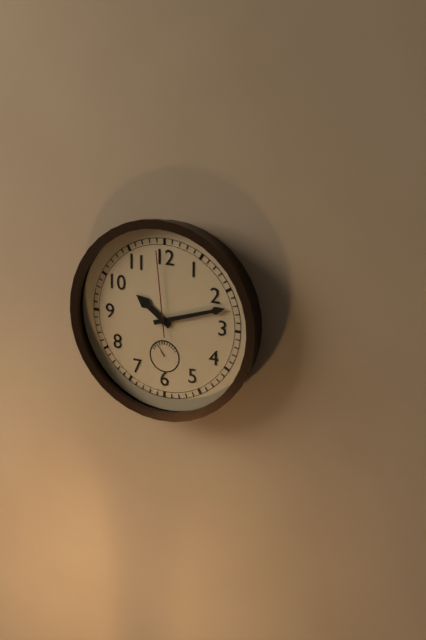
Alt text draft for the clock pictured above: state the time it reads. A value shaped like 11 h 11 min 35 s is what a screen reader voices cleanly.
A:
10 h 12 min 59 s
